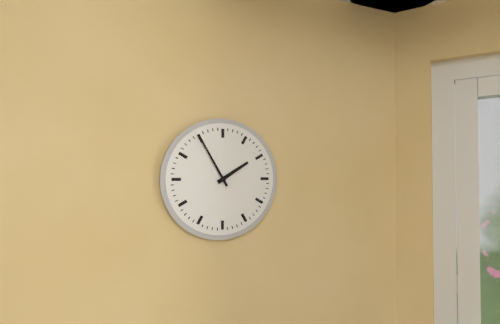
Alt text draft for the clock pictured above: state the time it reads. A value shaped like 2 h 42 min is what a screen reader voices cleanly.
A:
1 h 55 min
